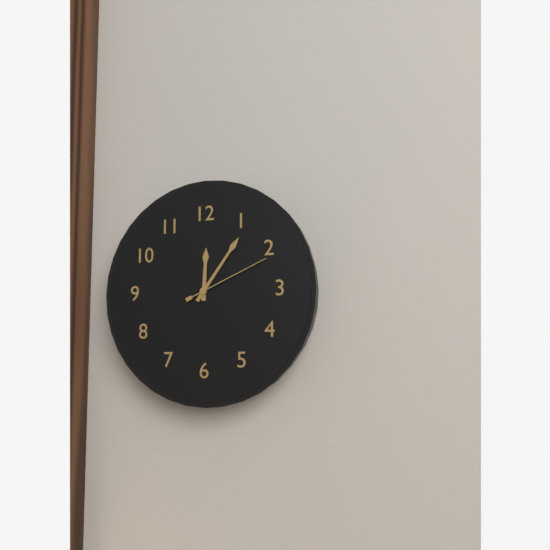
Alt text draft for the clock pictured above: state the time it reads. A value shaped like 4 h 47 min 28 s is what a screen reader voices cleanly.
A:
12 h 06 min 11 s
